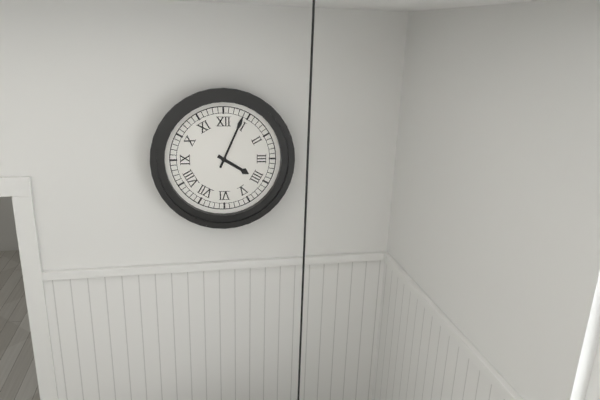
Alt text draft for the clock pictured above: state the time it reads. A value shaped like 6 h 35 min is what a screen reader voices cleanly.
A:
4 h 04 min
